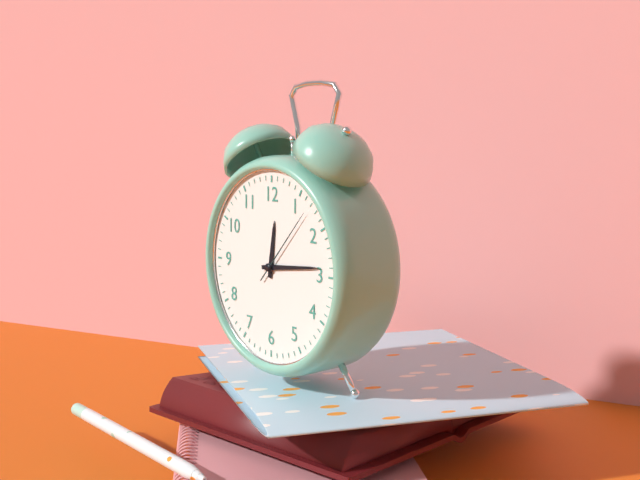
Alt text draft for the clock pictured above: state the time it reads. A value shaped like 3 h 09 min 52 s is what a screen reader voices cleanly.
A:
12 h 14 min 07 s
